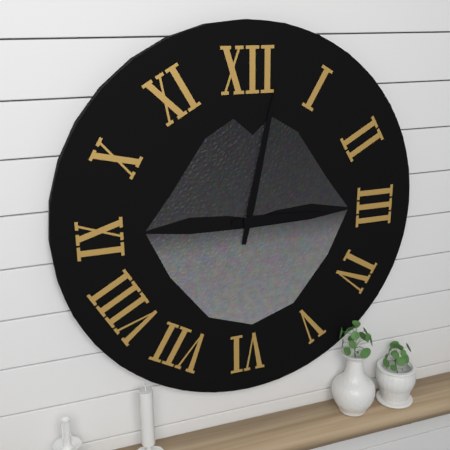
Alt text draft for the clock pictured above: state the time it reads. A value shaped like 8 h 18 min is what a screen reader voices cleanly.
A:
3 h 02 min
